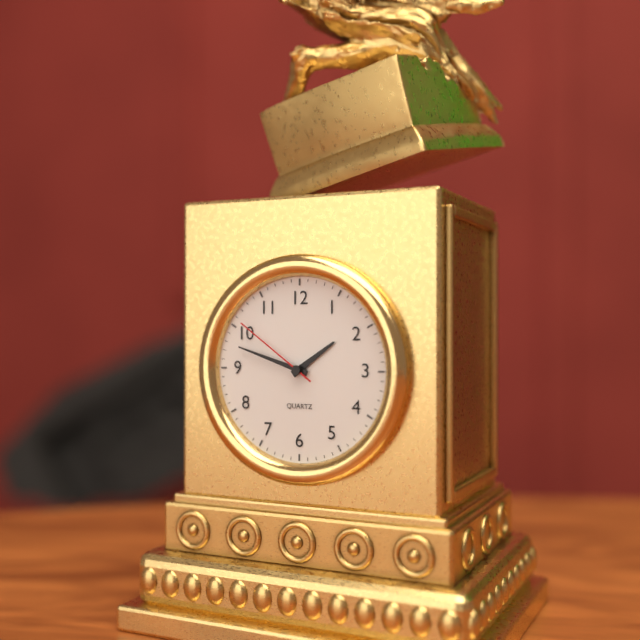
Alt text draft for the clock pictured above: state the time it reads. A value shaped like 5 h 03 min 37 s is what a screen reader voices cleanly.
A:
1 h 48 min 51 s
